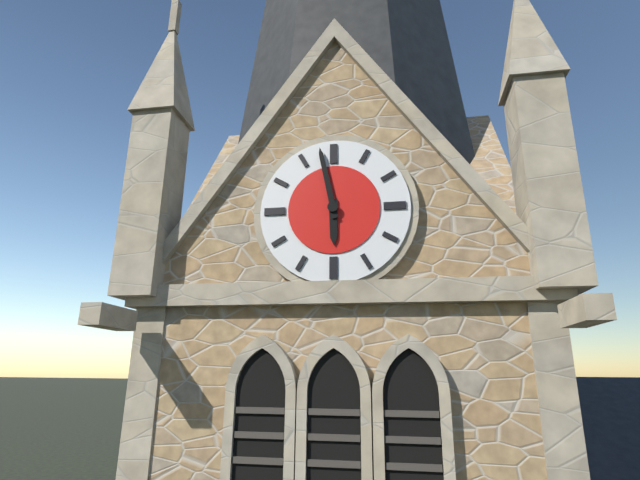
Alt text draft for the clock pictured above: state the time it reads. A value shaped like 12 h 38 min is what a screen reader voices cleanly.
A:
5 h 58 min
